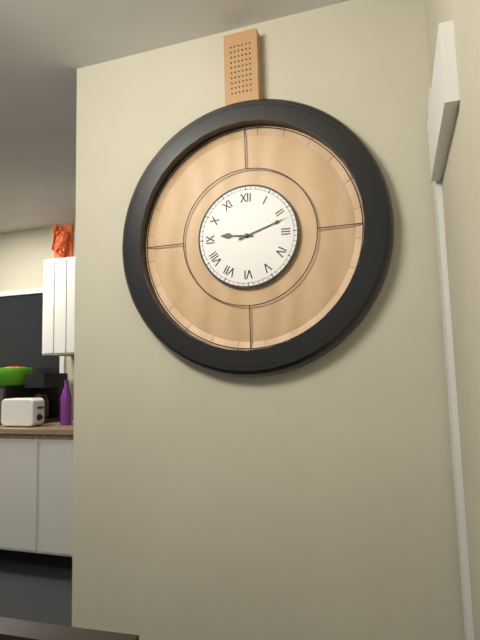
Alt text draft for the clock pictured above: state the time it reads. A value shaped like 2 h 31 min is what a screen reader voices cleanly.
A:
9 h 12 min
